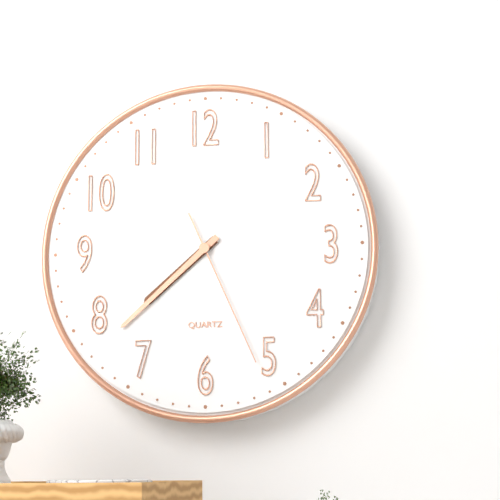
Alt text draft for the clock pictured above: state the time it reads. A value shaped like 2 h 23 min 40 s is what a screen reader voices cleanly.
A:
7 h 38 min 26 s
